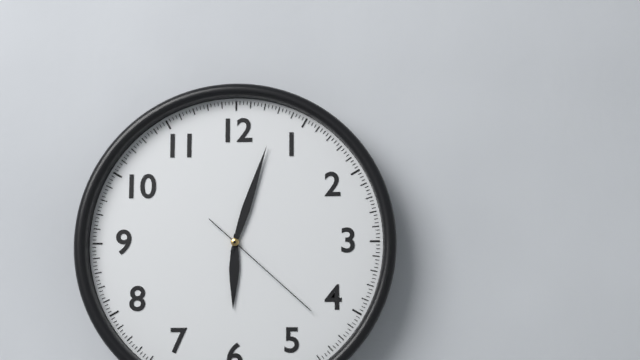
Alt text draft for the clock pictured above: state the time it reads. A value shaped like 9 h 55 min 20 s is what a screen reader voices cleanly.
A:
6 h 03 min 22 s
